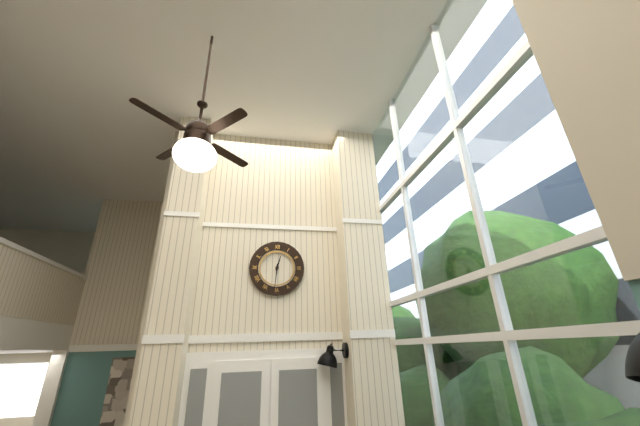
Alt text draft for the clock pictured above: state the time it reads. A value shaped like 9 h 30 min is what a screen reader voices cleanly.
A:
12 h 31 min
